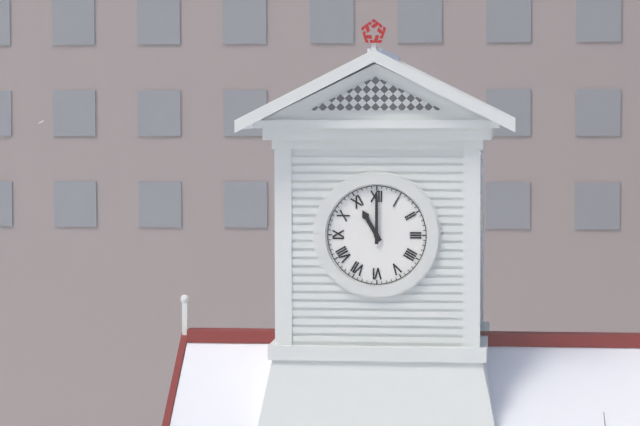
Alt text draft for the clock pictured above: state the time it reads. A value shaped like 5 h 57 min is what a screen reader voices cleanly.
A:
11 h 00 min
